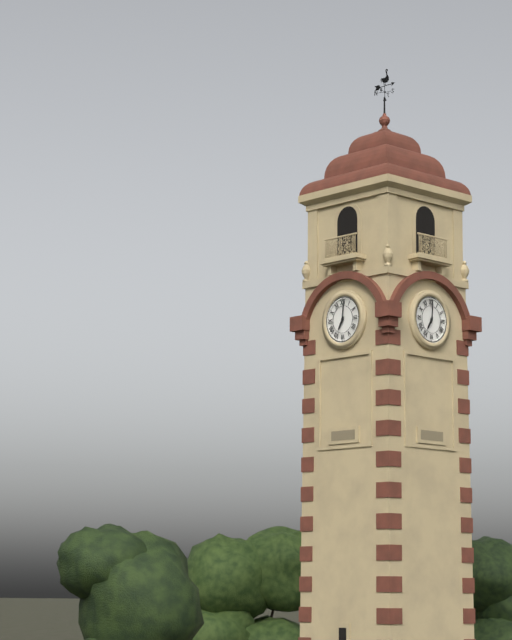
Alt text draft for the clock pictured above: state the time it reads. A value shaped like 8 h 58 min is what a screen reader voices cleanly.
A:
7 h 01 min
